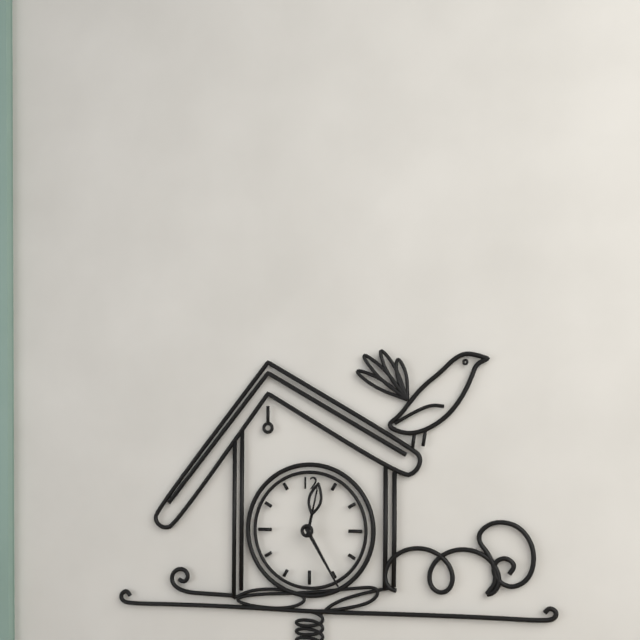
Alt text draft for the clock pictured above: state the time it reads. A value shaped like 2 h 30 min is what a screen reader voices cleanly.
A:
12 h 25 min
